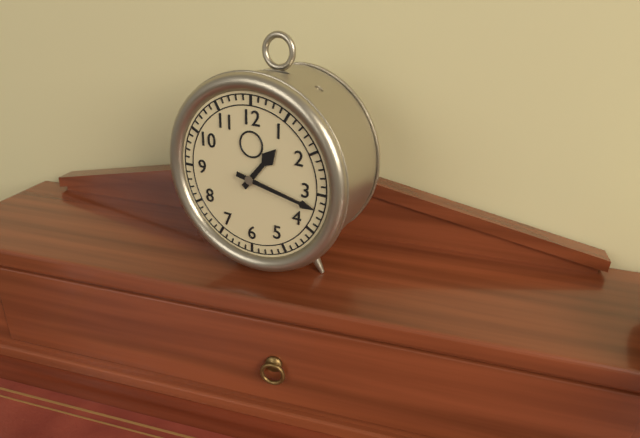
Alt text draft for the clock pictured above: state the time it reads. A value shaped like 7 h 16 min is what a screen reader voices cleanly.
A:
1 h 17 min
